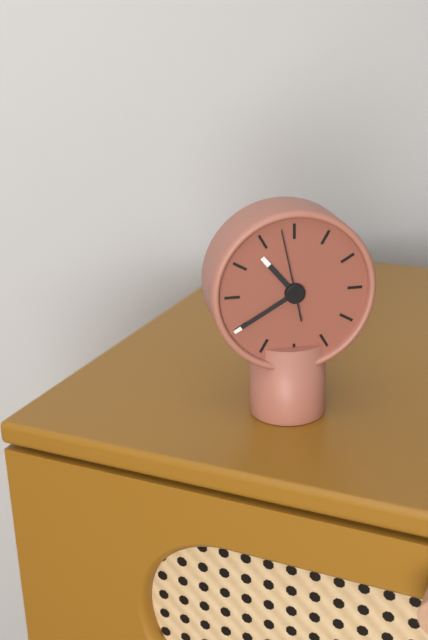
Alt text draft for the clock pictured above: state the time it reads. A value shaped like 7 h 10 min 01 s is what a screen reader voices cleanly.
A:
10 h 40 min 58 s
